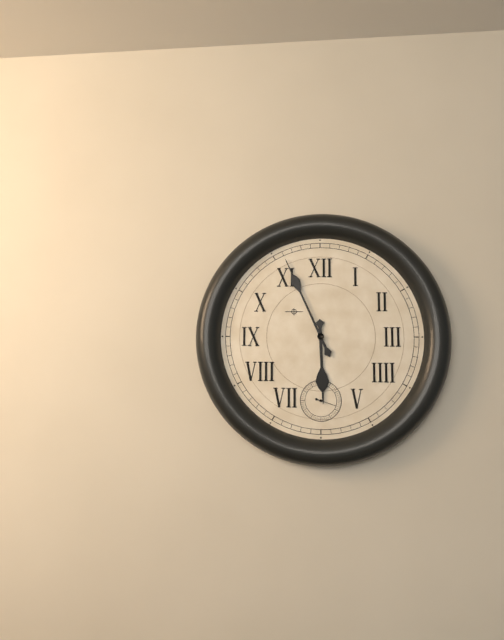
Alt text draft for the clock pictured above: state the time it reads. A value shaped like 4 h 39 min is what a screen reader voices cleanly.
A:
5 h 56 min
